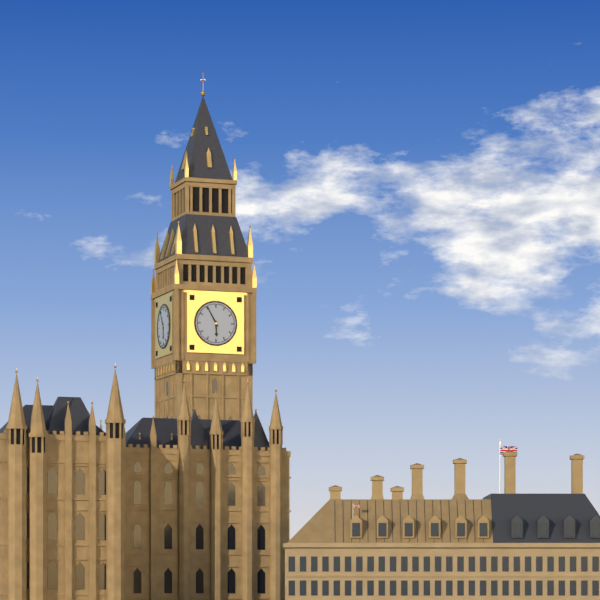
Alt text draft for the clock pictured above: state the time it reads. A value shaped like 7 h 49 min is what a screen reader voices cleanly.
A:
5 h 55 min
